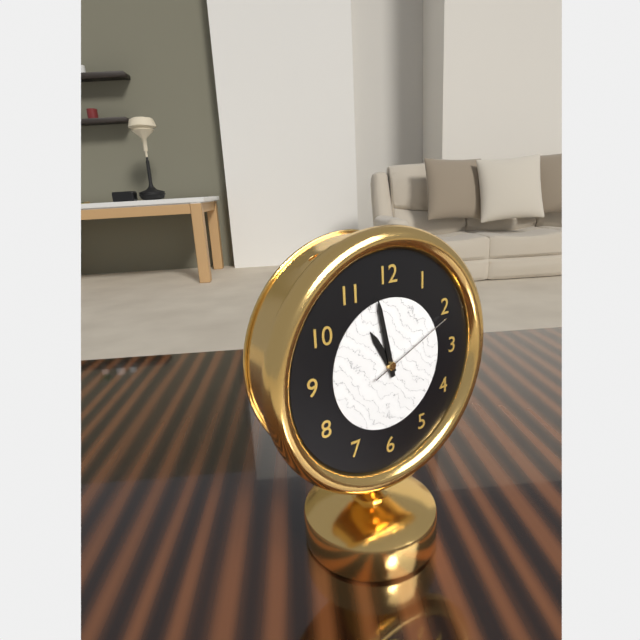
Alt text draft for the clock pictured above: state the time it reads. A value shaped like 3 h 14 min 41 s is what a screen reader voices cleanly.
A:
10 h 58 min 11 s
